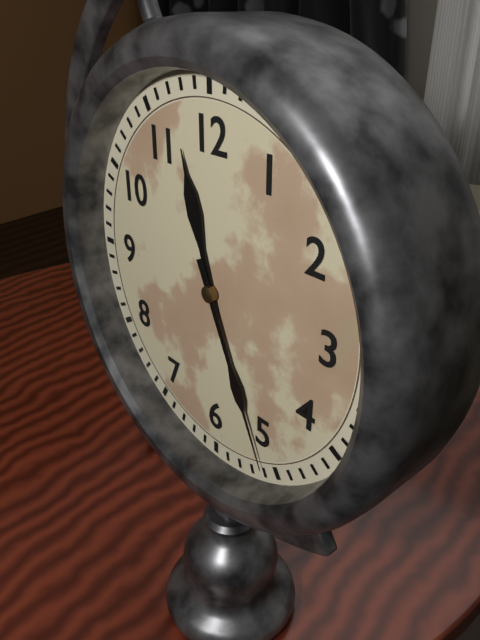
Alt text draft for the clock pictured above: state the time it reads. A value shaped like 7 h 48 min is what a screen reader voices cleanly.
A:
11 h 26 min
